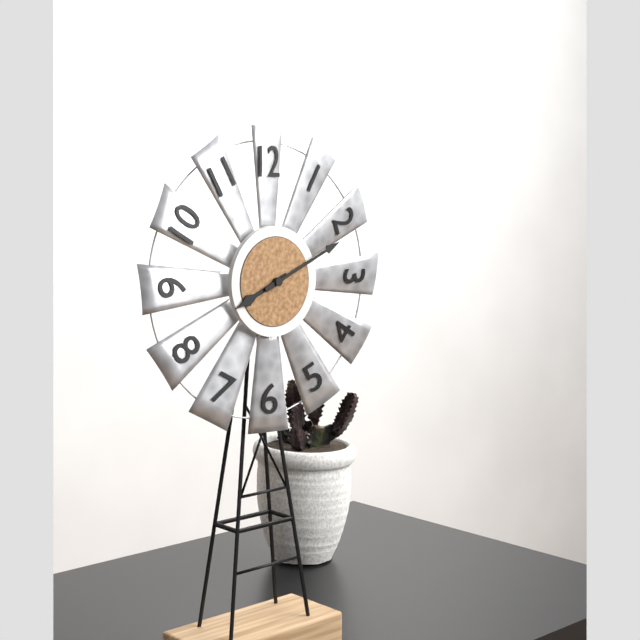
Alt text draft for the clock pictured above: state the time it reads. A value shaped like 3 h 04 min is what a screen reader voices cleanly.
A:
8 h 11 min
